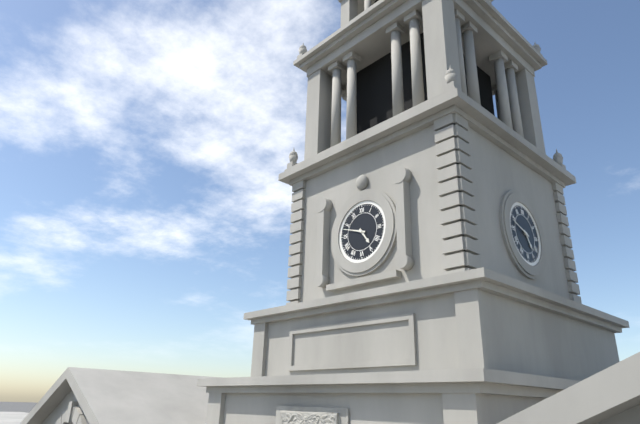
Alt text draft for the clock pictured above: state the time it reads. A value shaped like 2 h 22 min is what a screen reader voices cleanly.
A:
4 h 48 min
